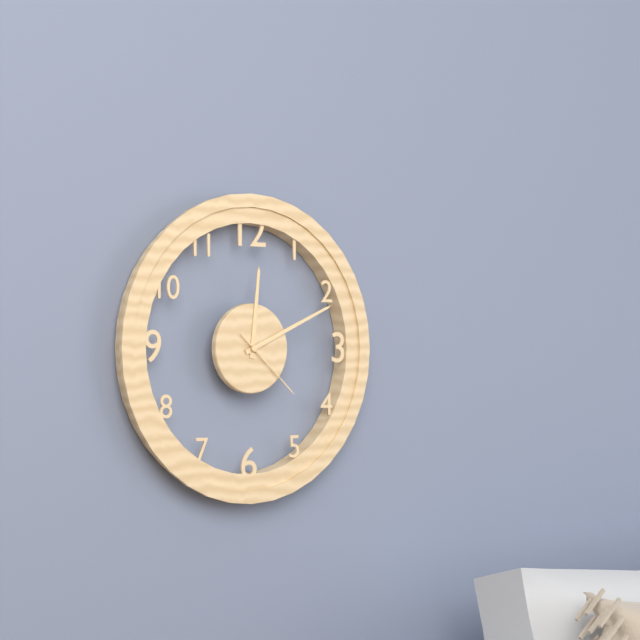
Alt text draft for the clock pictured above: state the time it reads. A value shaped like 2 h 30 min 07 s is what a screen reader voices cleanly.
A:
12 h 11 min 22 s
